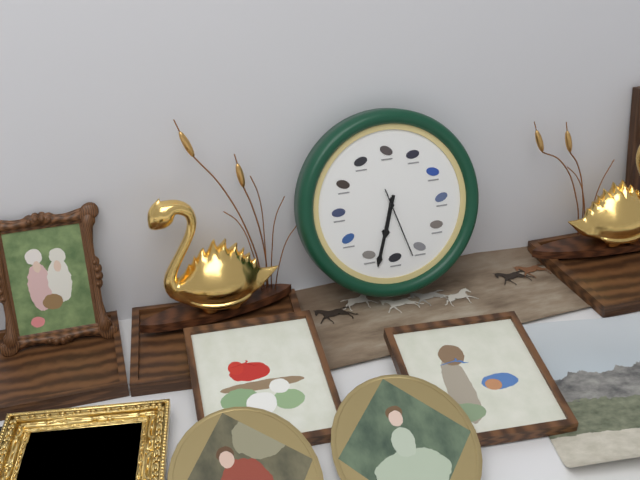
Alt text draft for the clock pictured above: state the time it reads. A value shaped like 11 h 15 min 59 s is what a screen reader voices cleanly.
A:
6 h 33 min 27 s
